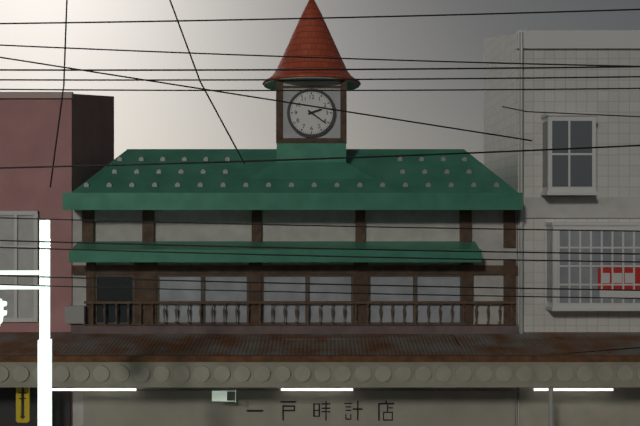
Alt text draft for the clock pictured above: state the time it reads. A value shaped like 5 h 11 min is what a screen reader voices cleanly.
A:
2 h 21 min
